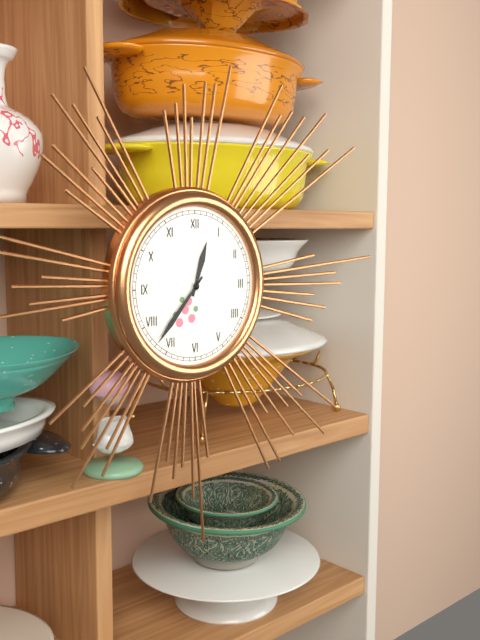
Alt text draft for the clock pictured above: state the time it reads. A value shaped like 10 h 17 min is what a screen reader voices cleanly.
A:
12 h 37 min
